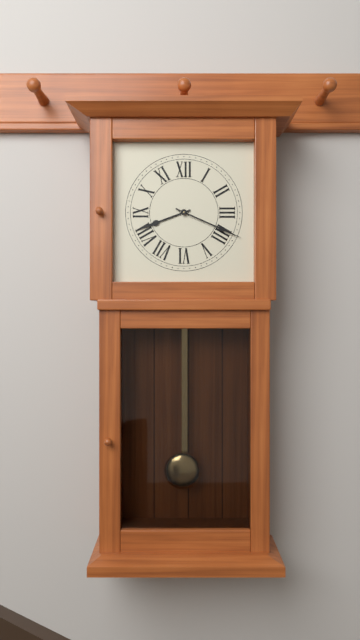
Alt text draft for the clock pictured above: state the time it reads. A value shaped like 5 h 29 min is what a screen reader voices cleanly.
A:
8 h 19 min
